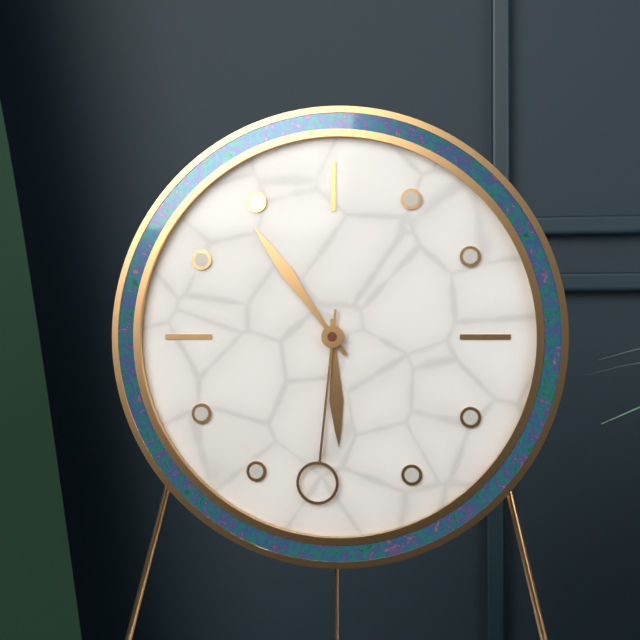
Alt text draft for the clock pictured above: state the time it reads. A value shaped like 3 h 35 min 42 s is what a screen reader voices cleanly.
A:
5 h 54 min 31 s
